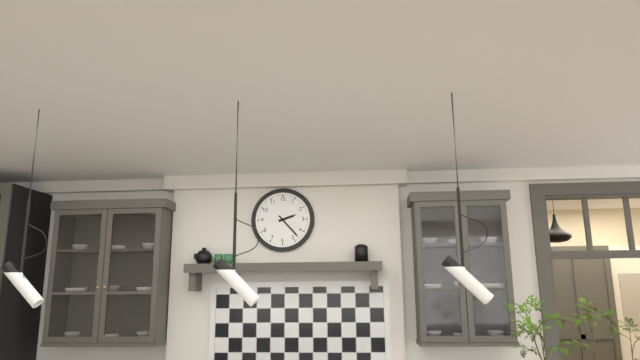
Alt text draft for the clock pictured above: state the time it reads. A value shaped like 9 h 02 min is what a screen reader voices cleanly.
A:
2 h 23 min
